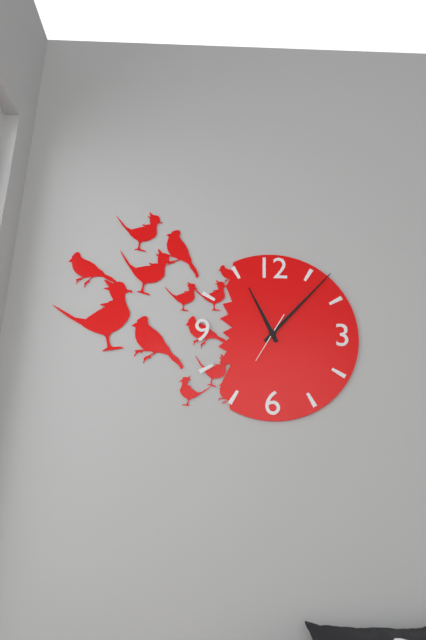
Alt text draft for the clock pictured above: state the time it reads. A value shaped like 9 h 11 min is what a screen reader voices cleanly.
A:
11 h 07 min
